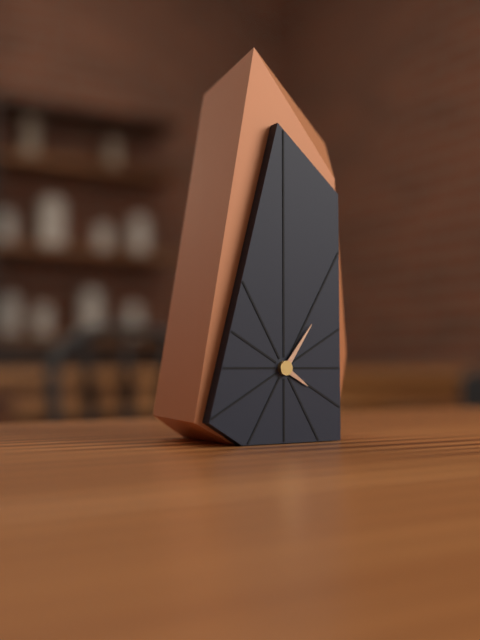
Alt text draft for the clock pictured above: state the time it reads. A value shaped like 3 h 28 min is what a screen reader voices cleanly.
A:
4 h 06 min
